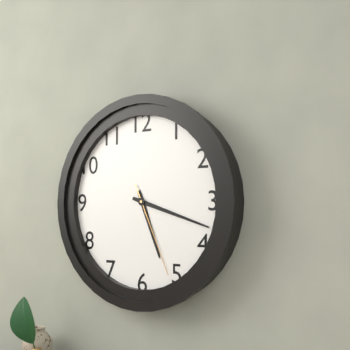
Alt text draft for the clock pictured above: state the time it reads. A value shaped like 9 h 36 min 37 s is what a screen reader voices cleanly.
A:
5 h 18 min 26 s
